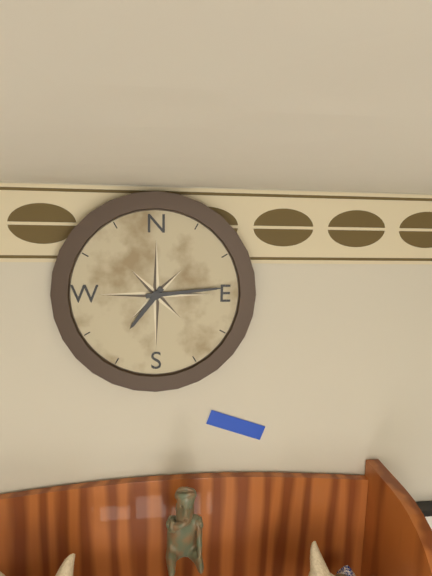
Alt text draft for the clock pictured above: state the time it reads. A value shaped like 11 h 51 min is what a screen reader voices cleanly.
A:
7 h 14 min
